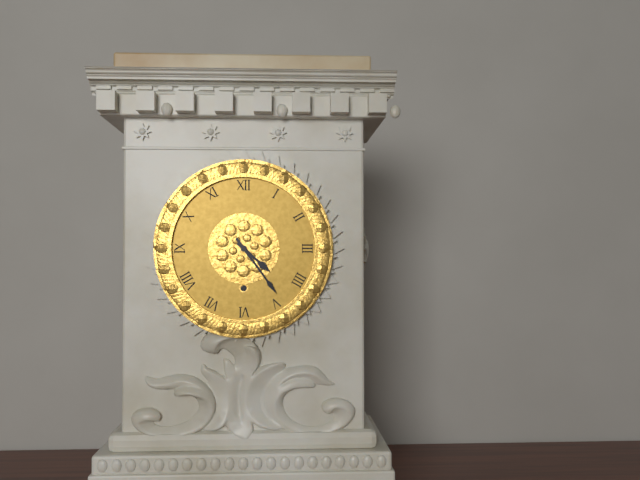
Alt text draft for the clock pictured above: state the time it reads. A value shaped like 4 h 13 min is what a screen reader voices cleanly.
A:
4 h 24 min
